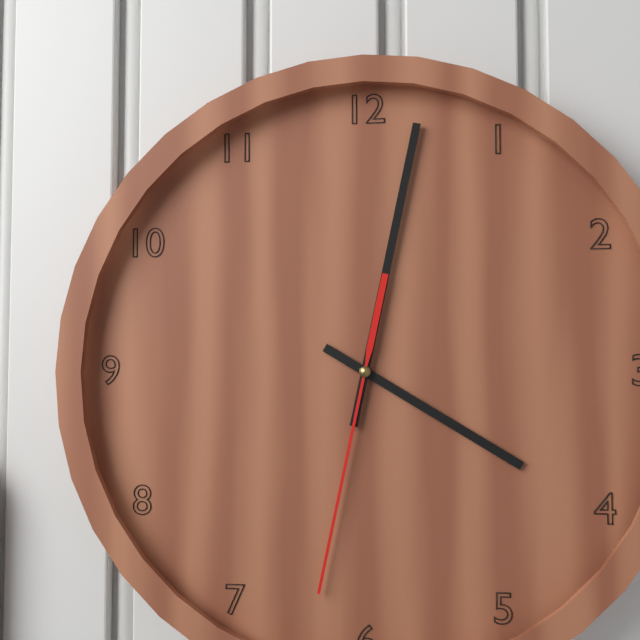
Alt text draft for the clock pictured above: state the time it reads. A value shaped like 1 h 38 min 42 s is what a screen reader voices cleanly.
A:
4 h 02 min 32 s
